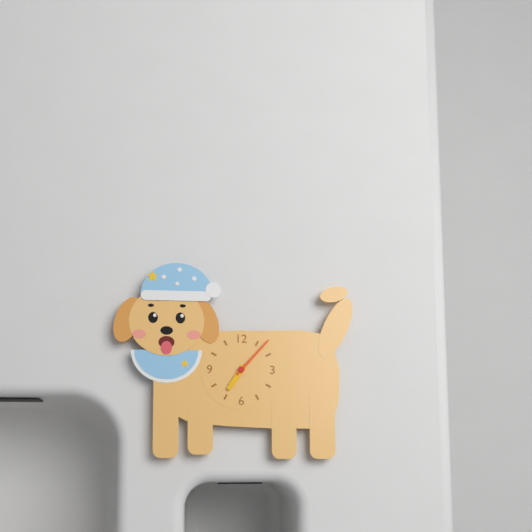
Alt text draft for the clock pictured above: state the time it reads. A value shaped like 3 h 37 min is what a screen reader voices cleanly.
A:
7 h 07 min
